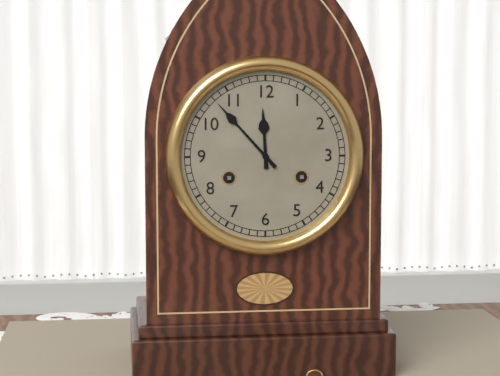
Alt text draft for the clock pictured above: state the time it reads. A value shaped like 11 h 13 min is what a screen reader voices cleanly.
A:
11 h 53 min
